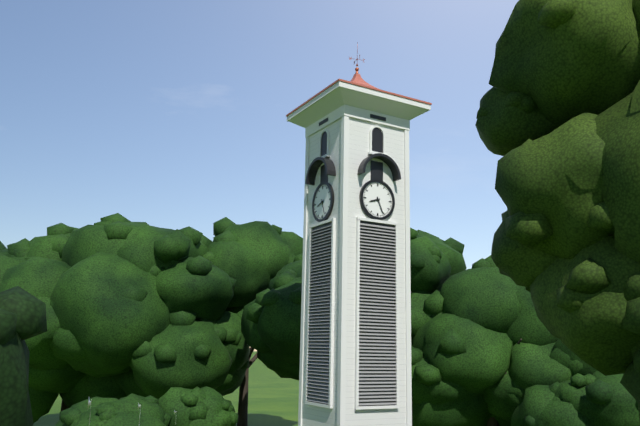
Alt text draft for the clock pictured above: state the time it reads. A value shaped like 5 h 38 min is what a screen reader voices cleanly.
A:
8 h 26 min
